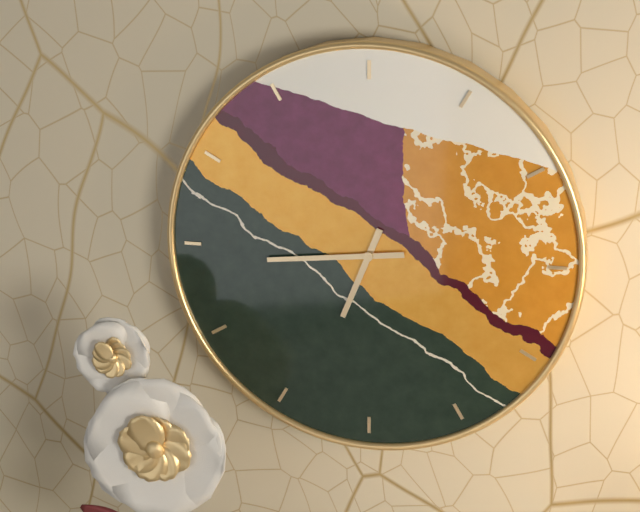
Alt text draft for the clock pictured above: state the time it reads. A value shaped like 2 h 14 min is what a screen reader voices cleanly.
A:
6 h 44 min
